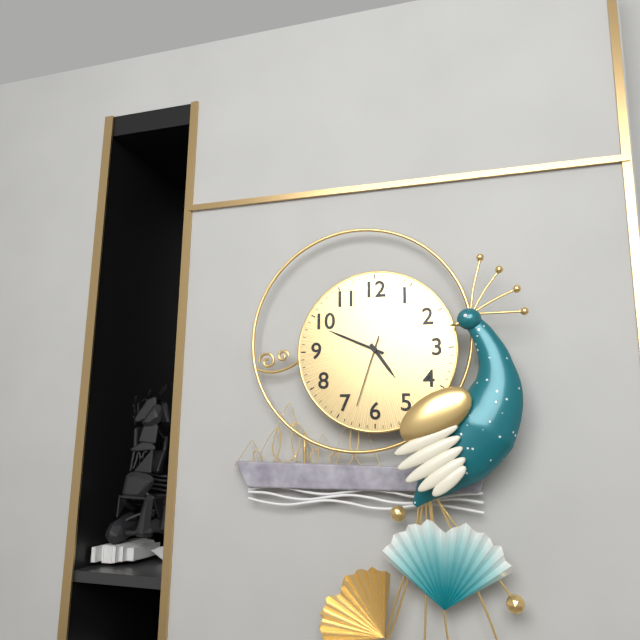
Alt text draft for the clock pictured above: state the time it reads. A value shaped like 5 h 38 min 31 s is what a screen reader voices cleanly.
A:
4 h 49 min 33 s
